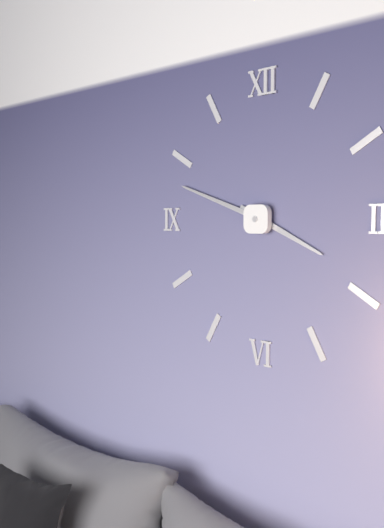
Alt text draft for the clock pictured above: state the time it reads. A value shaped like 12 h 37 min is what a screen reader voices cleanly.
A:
3 h 48 min
